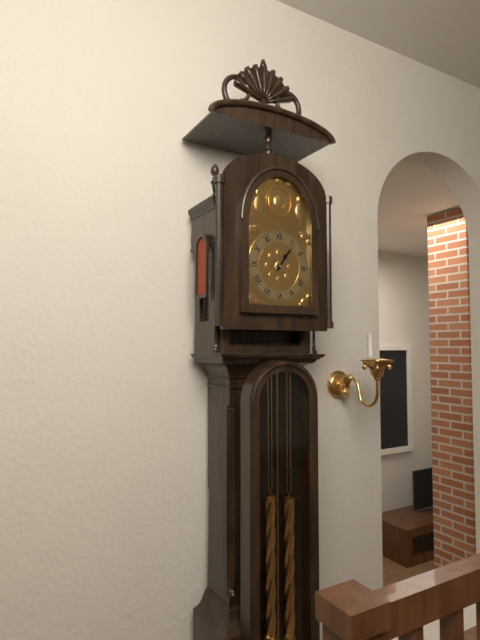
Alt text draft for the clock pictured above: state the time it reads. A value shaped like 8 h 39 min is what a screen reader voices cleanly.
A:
1 h 06 min
